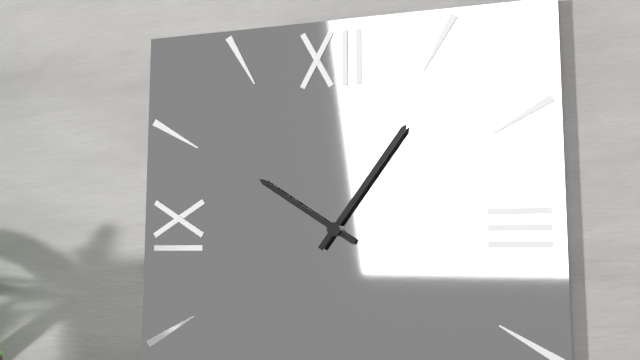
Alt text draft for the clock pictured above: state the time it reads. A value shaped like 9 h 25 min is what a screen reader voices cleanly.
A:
10 h 06 min
